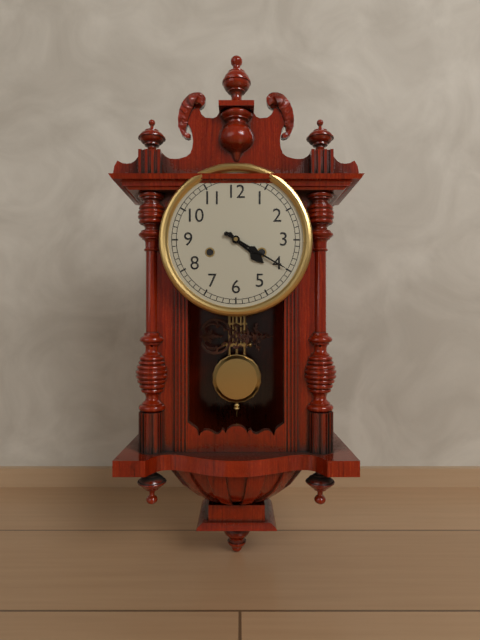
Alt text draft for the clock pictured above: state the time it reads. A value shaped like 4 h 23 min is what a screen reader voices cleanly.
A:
4 h 20 min
